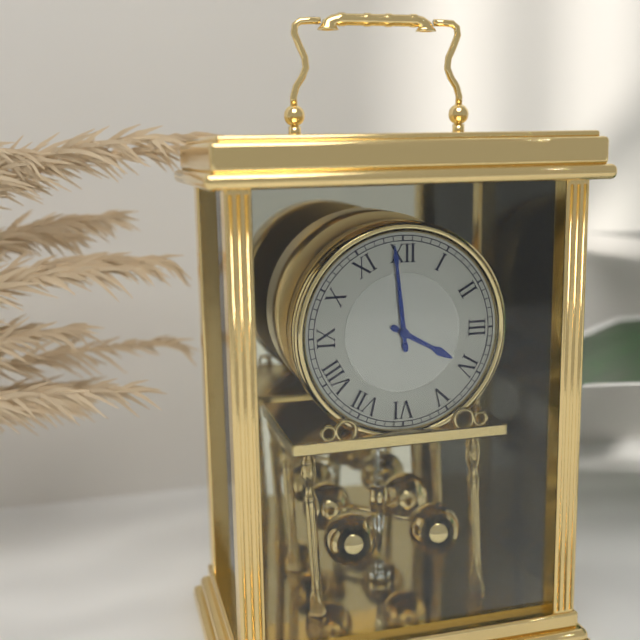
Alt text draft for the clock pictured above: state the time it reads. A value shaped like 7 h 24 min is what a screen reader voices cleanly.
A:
3 h 59 min
